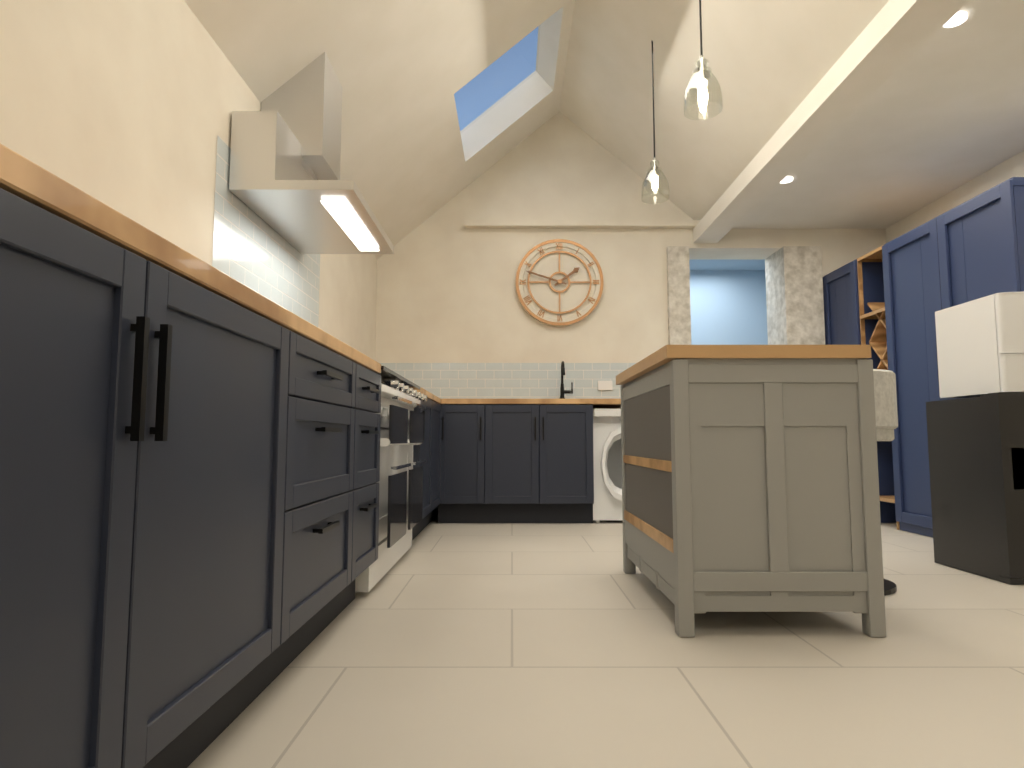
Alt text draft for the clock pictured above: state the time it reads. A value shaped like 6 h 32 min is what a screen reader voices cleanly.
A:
1 h 48 min
